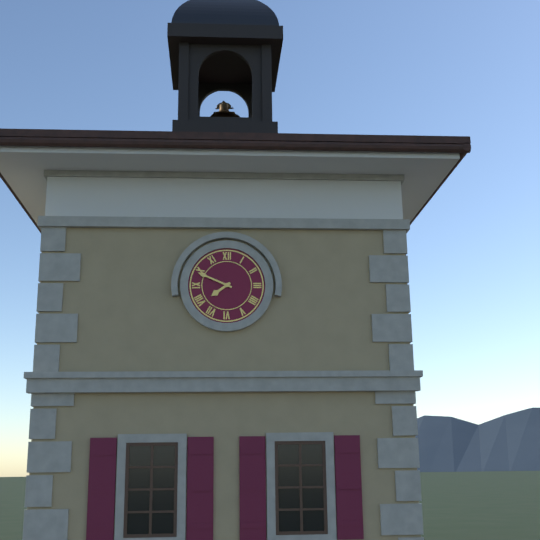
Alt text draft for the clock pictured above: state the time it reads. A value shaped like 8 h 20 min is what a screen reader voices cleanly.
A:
7 h 49 min
